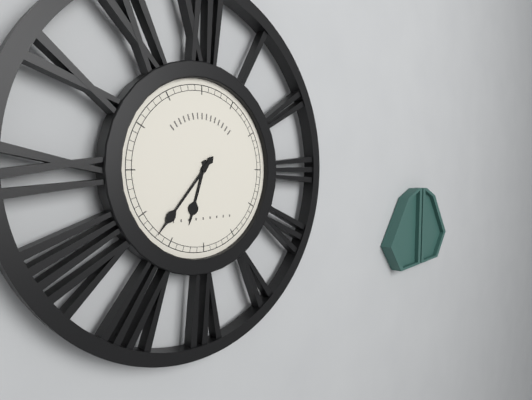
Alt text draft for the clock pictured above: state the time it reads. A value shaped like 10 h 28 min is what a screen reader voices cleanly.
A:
6 h 37 min
